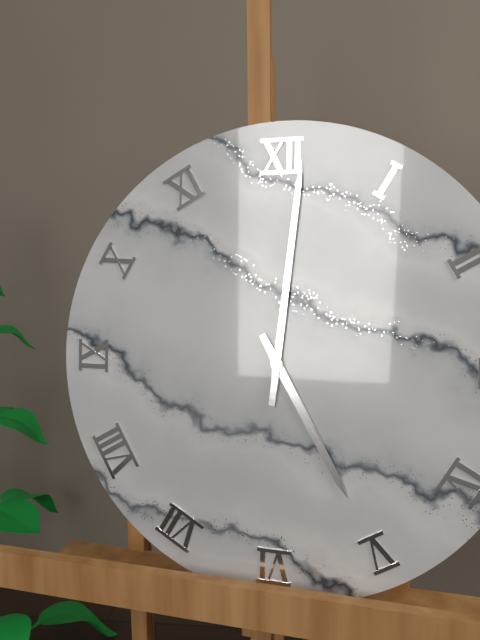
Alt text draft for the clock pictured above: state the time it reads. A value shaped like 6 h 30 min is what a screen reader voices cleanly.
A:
5 h 01 min
